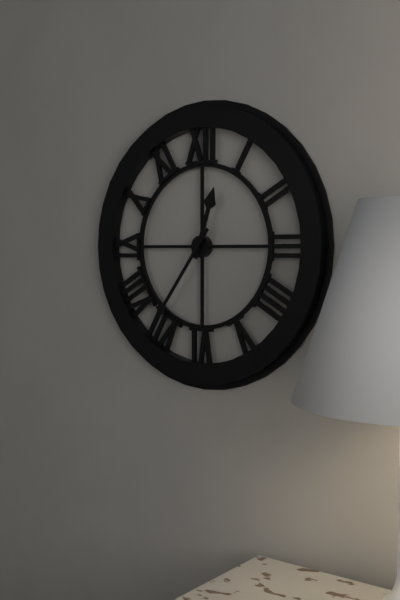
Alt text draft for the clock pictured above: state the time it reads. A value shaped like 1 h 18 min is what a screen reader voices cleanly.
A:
12 h 36 min
